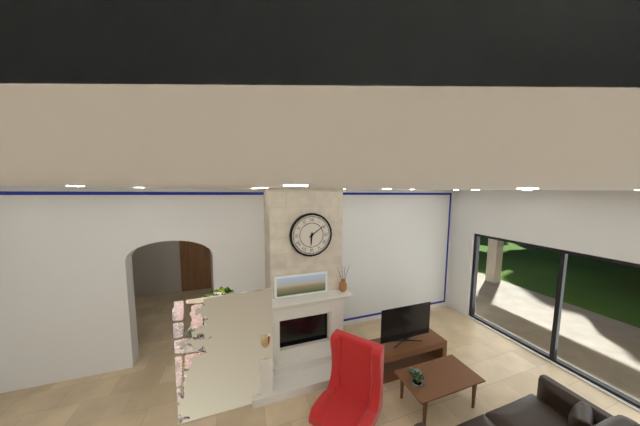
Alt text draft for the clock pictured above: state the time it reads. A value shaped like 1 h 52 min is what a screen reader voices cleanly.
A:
6 h 09 min
